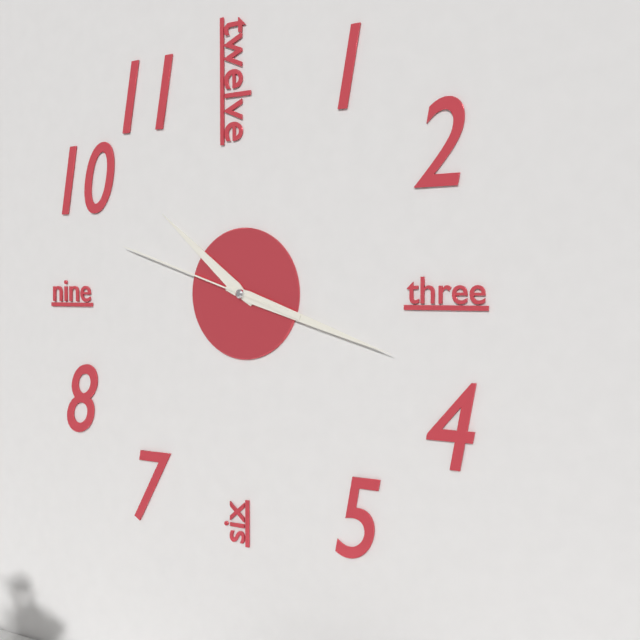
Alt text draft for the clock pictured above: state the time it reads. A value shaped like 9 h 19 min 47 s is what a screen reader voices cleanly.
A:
10 h 18 min 48 s
